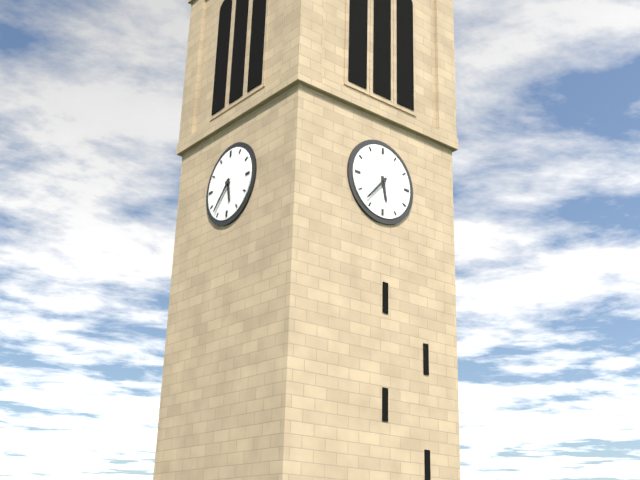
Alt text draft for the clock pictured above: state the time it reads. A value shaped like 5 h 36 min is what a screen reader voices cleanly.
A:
5 h 37 min
